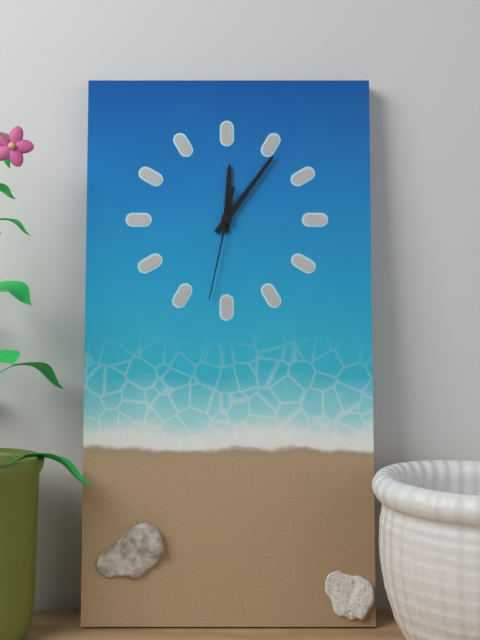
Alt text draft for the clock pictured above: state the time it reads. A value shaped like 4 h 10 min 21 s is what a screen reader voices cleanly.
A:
12 h 06 min 32 s
